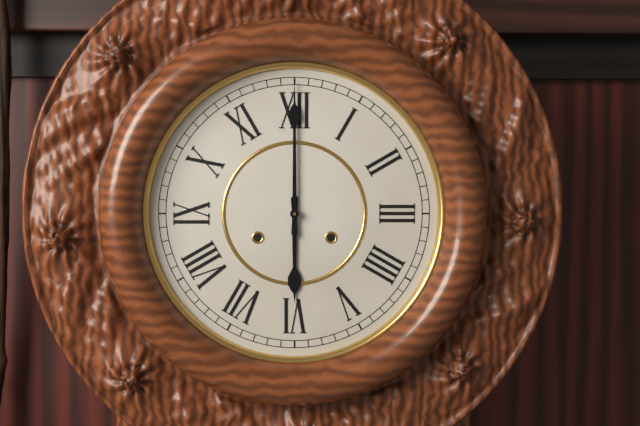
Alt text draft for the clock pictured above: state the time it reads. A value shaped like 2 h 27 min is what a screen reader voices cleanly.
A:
6 h 00 min
